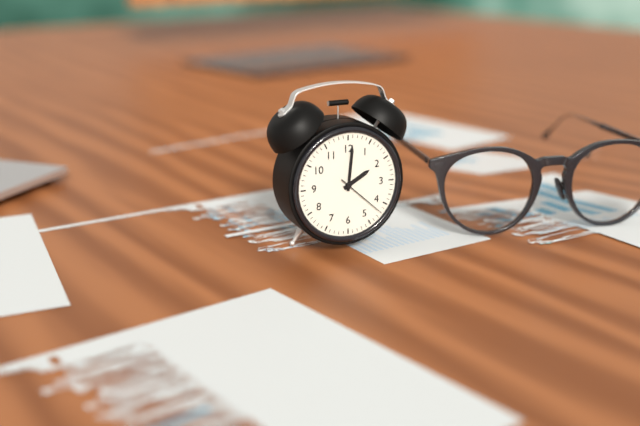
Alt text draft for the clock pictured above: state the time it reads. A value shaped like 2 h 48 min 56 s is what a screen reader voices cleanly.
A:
2 h 01 min 22 s
